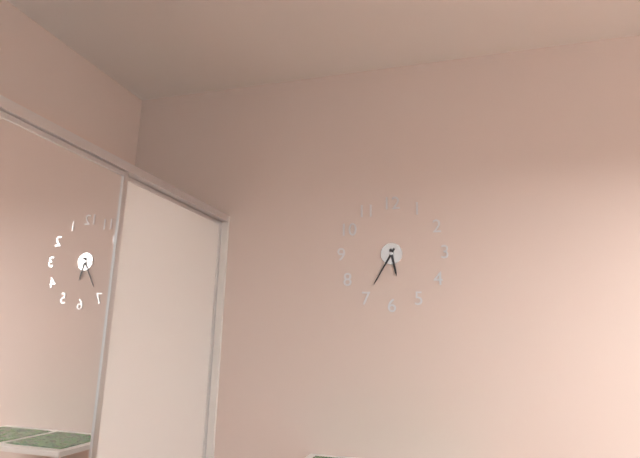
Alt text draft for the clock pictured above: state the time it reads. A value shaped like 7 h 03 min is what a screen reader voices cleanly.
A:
5 h 35 min
